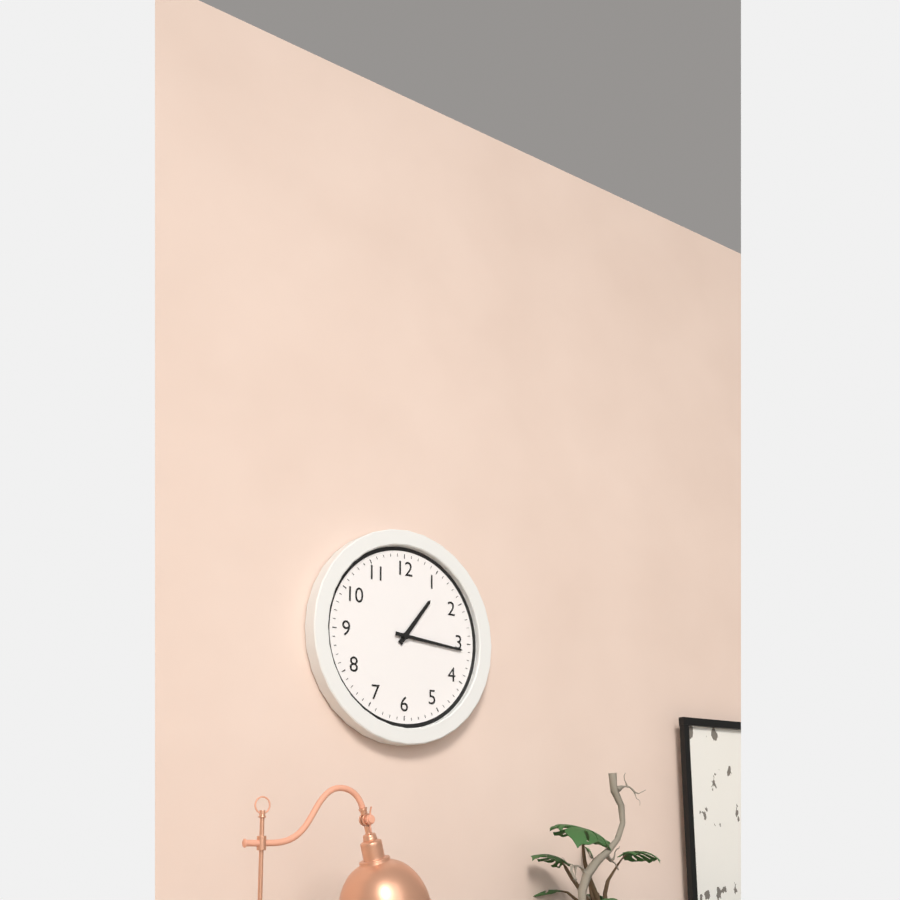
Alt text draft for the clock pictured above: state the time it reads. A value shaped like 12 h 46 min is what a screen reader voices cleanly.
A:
1 h 16 min
